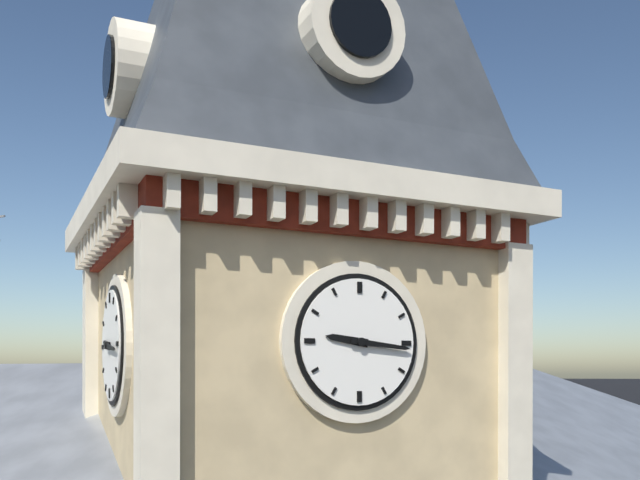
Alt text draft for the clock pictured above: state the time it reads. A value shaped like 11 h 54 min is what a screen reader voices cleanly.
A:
9 h 16 min
